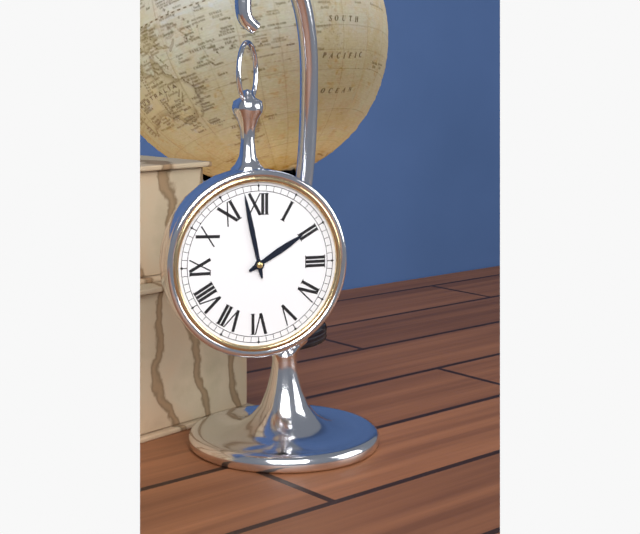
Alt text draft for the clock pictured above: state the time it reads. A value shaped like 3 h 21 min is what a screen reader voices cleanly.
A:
1 h 58 min
